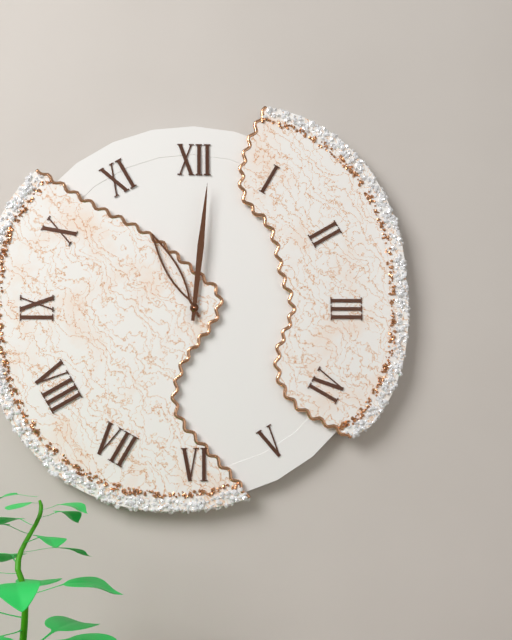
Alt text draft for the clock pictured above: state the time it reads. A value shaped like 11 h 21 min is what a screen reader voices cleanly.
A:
11 h 01 min
